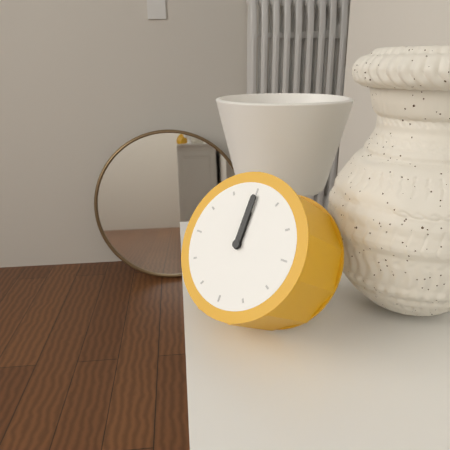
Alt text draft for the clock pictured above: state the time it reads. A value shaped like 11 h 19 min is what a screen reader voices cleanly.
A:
12 h 00 min
